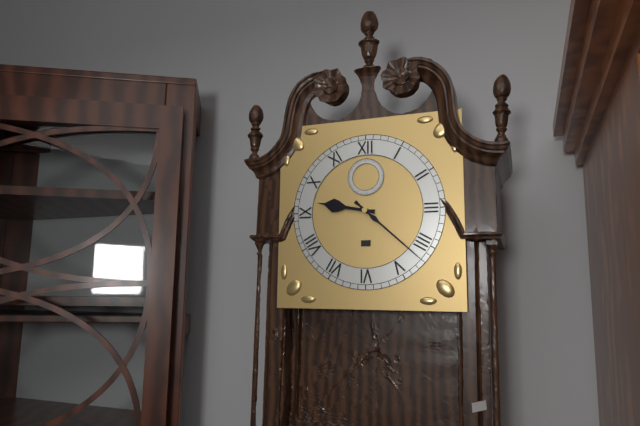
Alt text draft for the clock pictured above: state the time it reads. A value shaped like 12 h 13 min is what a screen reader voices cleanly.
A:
9 h 22 min
